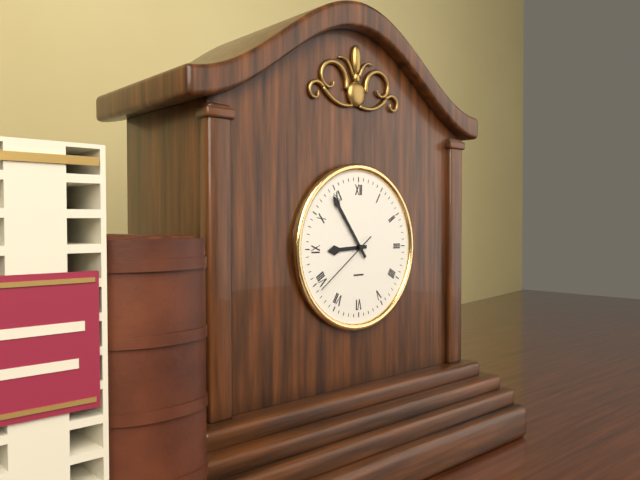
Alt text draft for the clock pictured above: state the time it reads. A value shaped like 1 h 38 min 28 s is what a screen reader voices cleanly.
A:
8 h 54 min 39 s
